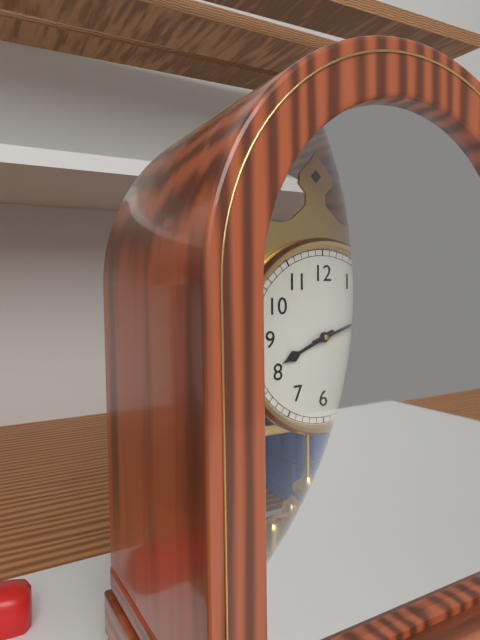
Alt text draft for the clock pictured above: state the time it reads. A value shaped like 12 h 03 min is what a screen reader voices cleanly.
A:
8 h 12 min
